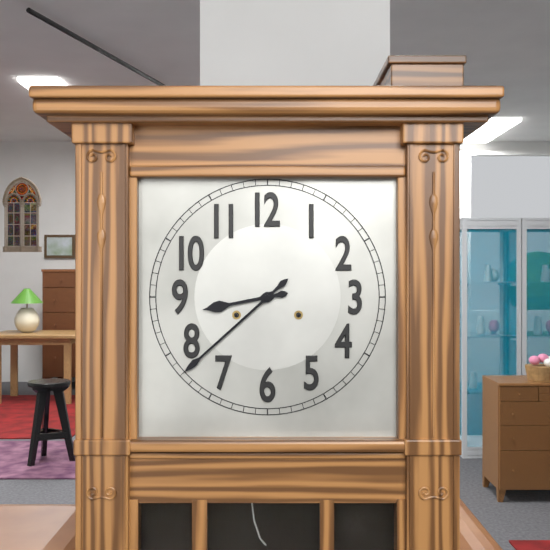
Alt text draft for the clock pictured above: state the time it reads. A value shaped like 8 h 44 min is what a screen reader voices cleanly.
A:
8 h 38 min
